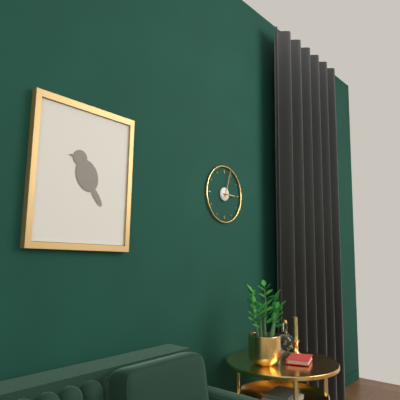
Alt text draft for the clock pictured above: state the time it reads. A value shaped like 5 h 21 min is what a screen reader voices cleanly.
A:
3 h 03 min
